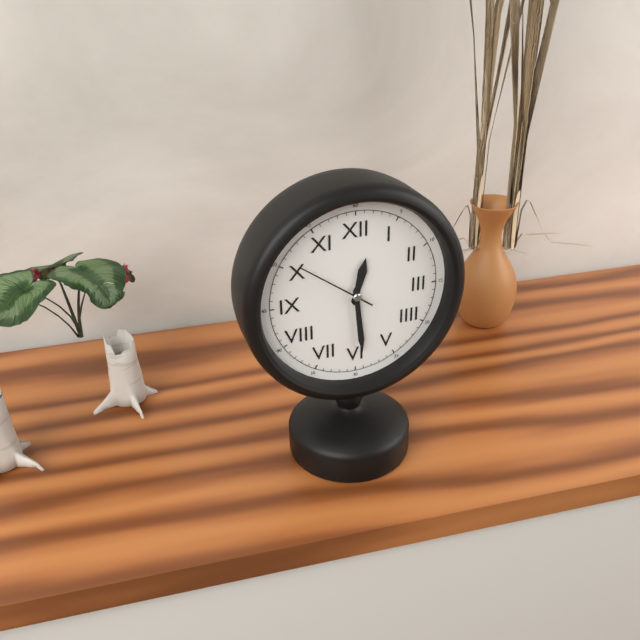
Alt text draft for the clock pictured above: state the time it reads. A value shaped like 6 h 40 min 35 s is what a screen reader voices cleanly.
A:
12 h 29 min 51 s
